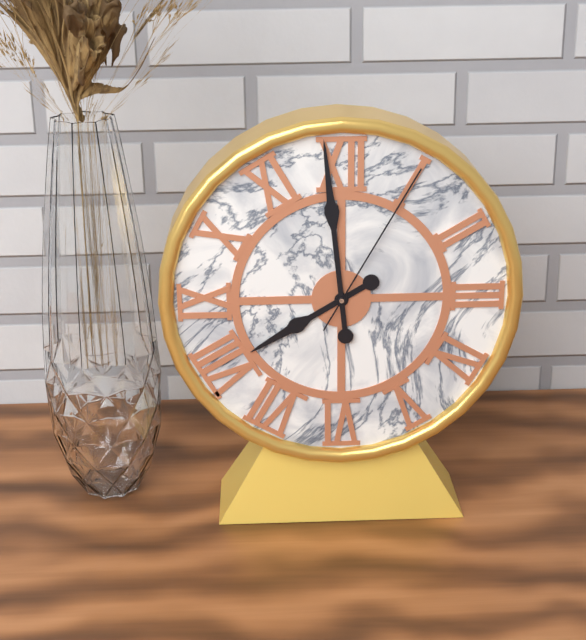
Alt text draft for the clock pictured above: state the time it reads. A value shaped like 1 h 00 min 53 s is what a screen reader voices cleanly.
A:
7 h 59 min 05 s
